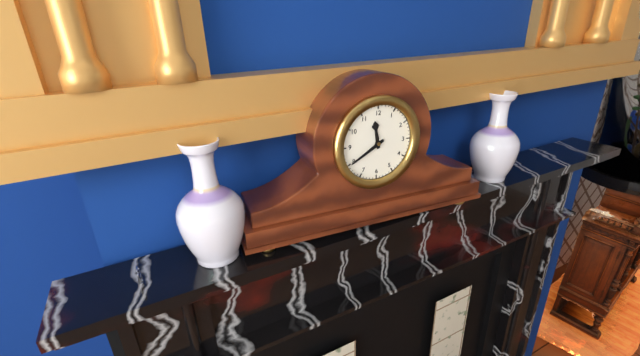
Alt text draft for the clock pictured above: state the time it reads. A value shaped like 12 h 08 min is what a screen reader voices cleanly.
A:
11 h 40 min
